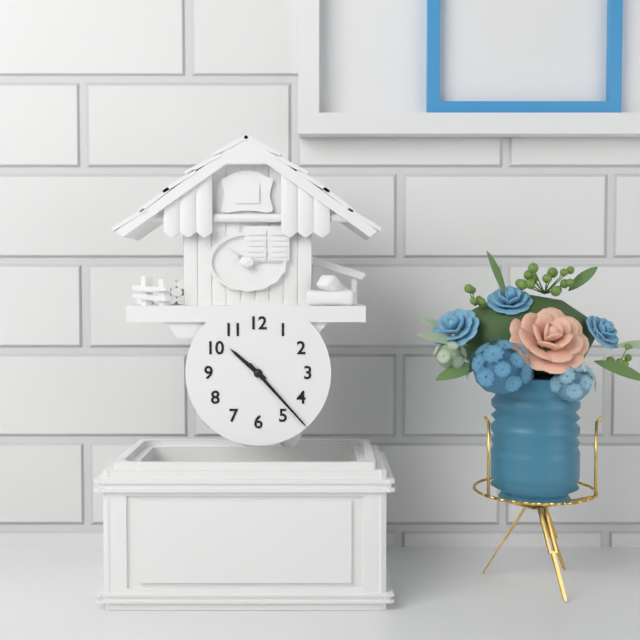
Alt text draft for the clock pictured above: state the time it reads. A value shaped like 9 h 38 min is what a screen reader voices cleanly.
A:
10 h 23 min
